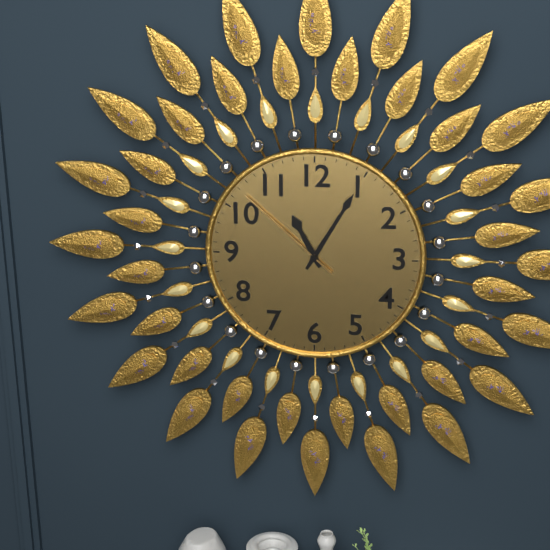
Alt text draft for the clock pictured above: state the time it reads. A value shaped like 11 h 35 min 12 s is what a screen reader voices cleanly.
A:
11 h 05 min 52 s
